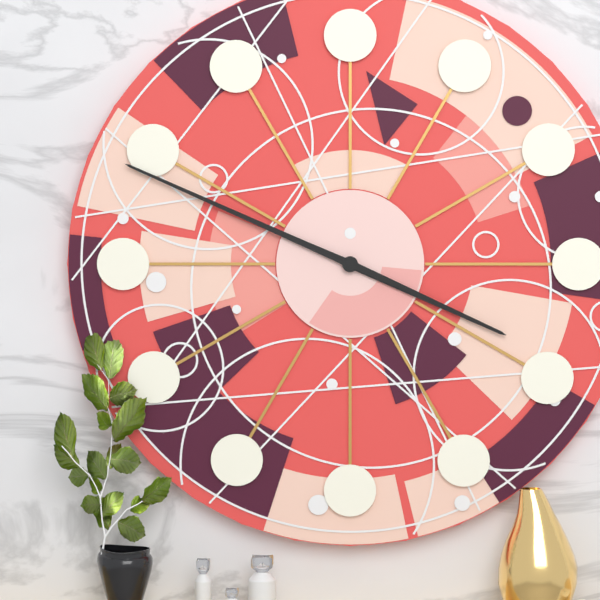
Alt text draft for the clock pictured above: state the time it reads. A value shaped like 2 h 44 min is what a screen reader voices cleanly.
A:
3 h 49 min
